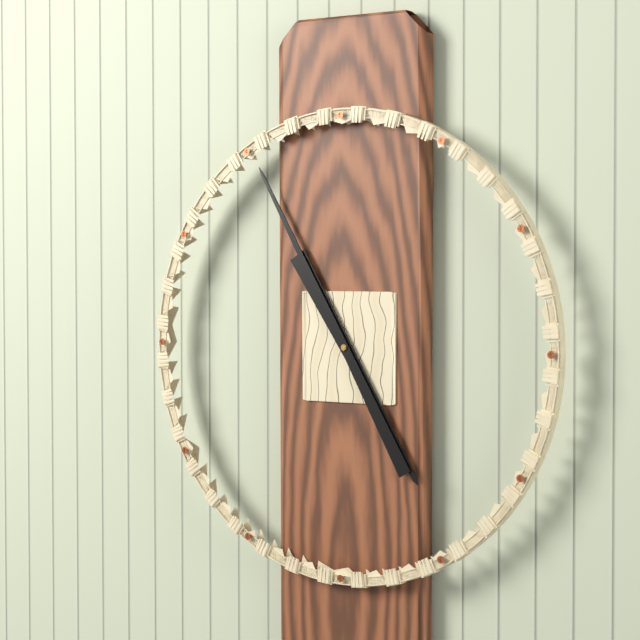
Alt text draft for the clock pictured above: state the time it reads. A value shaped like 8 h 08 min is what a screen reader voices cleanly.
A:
4 h 55 min
